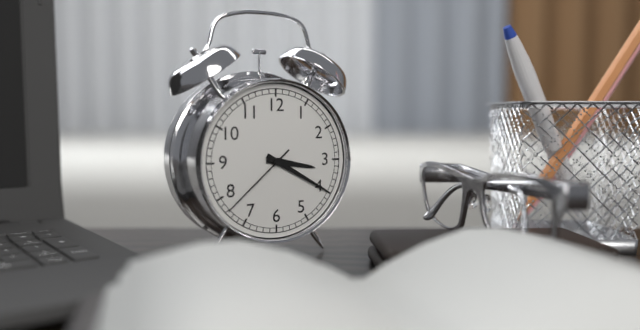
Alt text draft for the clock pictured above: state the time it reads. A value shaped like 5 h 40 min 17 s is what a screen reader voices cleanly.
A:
3 h 20 min 38 s
